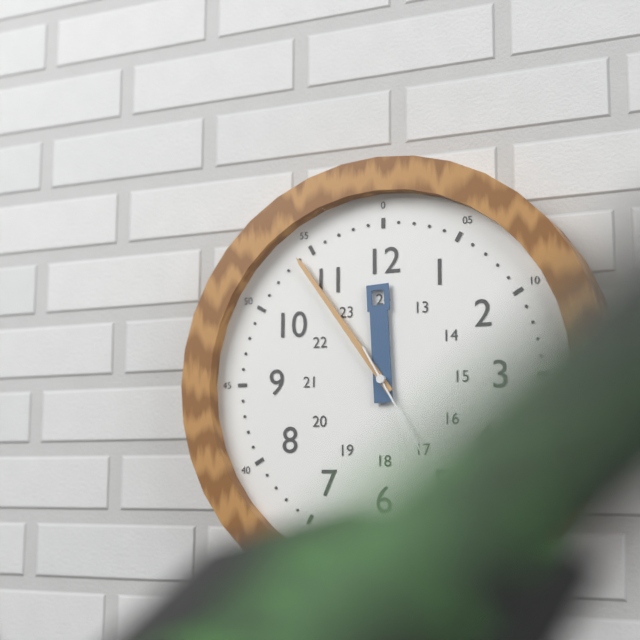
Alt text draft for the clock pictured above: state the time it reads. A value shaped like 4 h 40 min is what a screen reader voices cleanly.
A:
11 h 54 min
